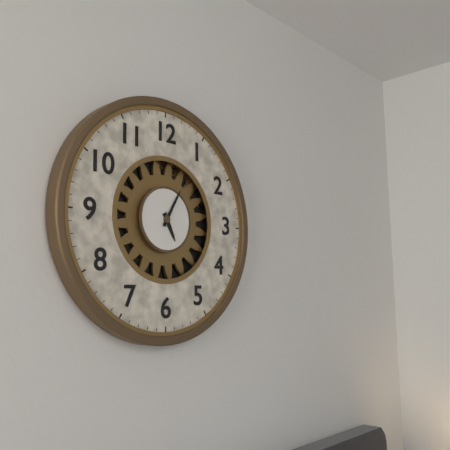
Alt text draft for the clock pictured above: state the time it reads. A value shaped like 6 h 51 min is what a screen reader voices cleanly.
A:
5 h 05 min
